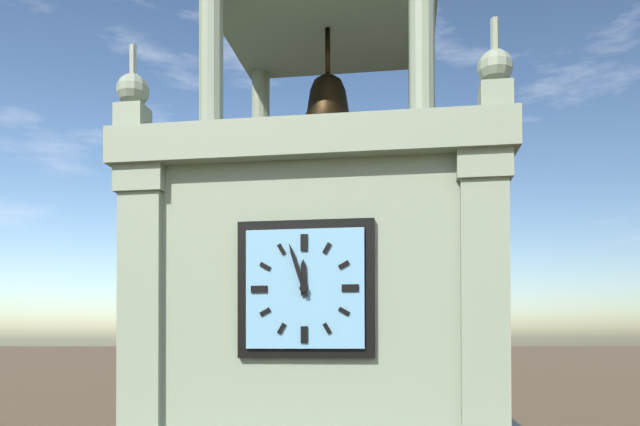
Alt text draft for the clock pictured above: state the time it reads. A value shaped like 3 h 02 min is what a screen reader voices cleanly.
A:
11 h 57 min
